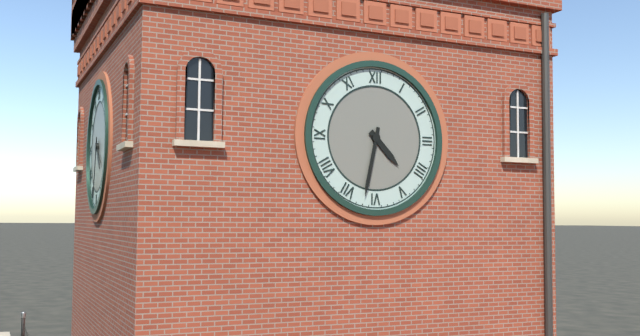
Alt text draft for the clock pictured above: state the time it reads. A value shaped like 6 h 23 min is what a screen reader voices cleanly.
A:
4 h 32 min
